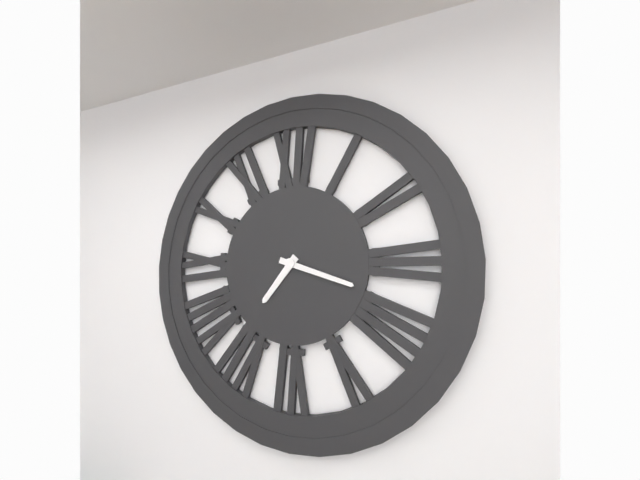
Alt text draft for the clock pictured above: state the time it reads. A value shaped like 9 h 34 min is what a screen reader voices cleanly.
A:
7 h 18 min
